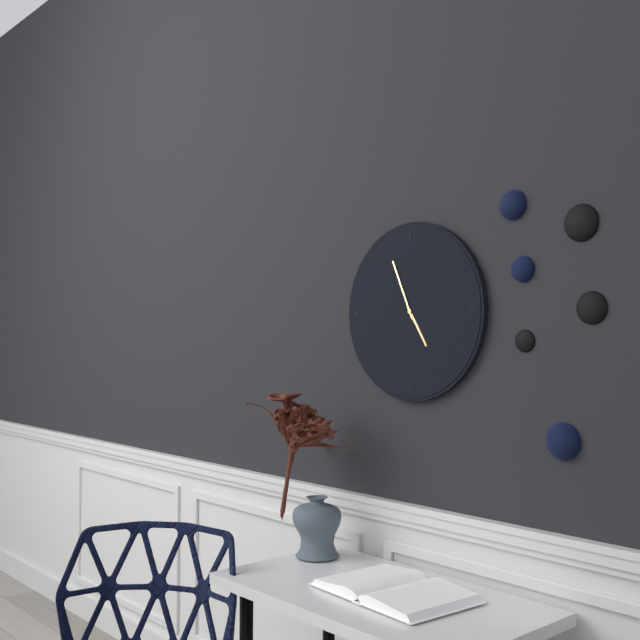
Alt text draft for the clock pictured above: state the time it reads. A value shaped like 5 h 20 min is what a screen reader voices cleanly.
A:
4 h 56 min
